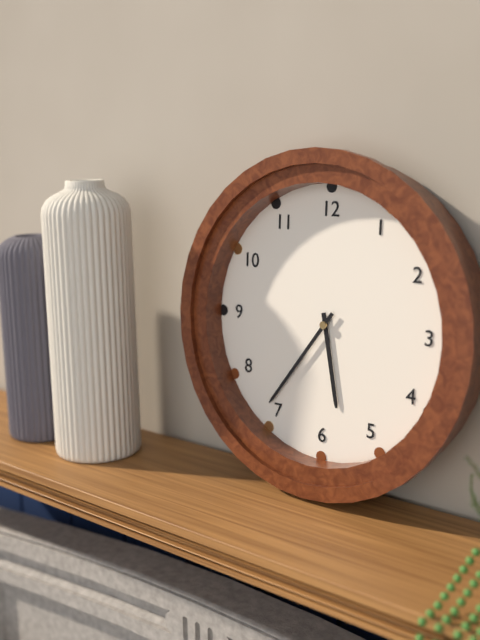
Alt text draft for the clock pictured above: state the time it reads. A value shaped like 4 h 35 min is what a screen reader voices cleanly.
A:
5 h 36 min
